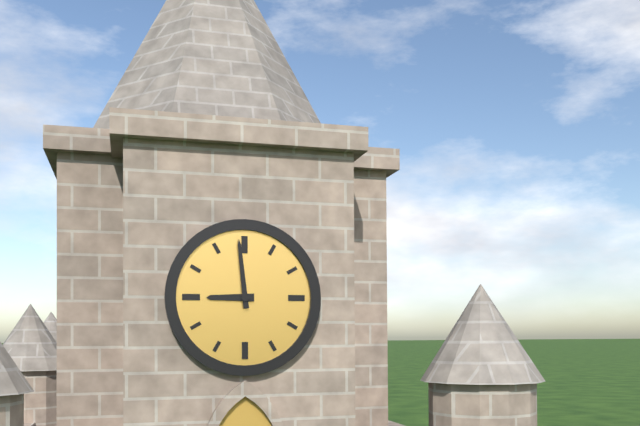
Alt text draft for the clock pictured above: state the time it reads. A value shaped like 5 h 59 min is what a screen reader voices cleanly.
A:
8 h 59 min
